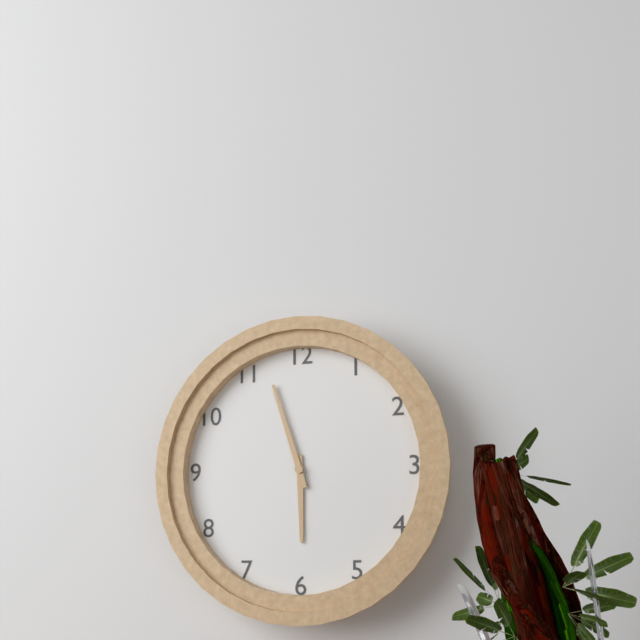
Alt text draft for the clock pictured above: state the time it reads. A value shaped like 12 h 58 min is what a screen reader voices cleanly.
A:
5 h 57 min
